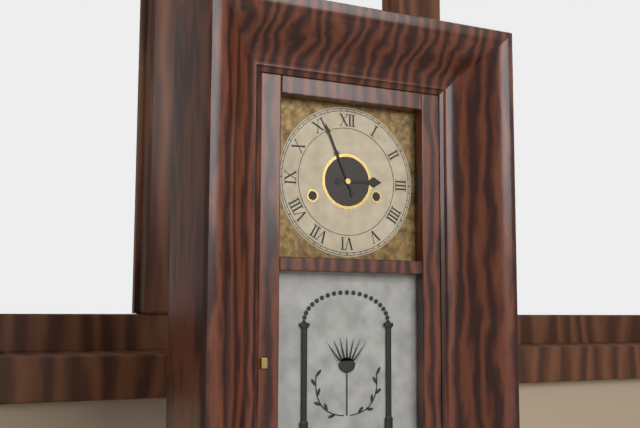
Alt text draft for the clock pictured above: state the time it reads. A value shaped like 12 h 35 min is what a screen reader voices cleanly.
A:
2 h 56 min
